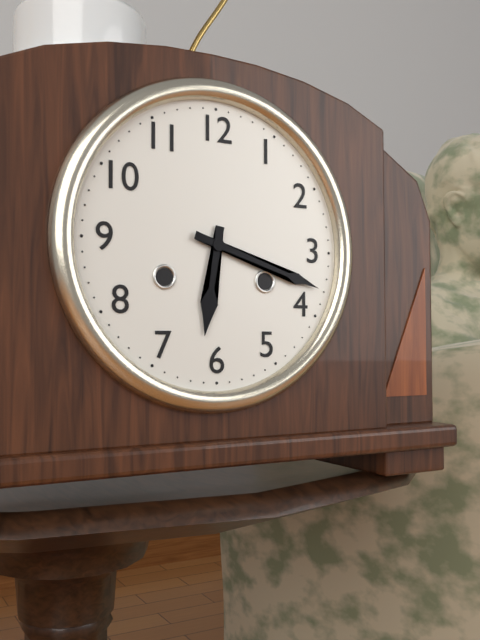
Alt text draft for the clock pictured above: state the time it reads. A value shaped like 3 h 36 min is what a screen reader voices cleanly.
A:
6 h 18 min
